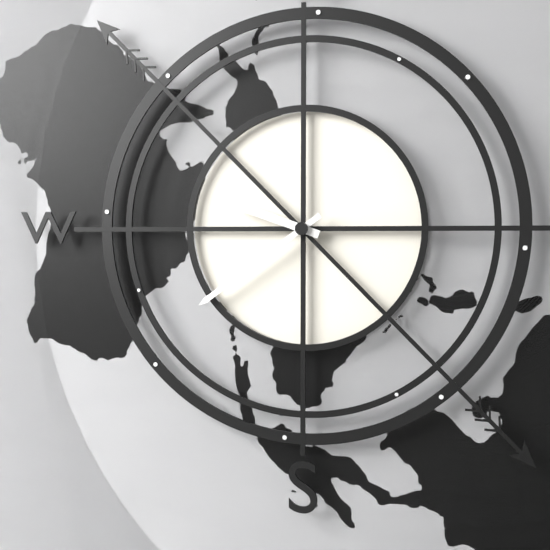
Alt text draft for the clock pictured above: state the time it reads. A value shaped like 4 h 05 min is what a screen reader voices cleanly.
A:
9 h 39 min
